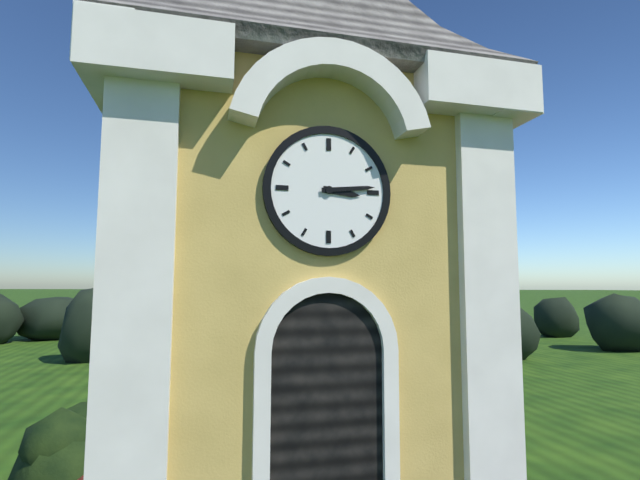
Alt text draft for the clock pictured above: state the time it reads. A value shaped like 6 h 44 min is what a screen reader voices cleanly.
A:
3 h 14 min
